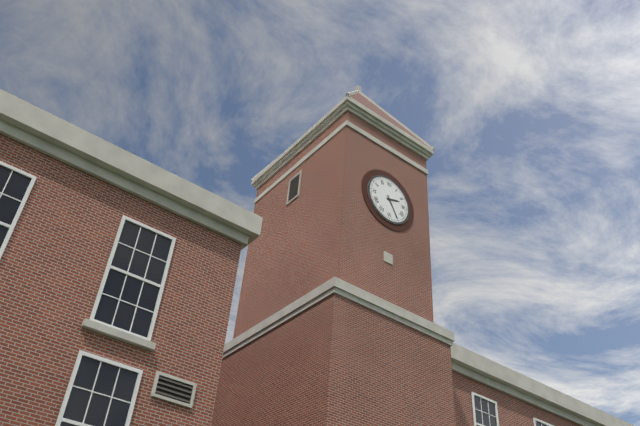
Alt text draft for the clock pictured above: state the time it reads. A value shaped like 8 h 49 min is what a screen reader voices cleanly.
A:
2 h 25 min
